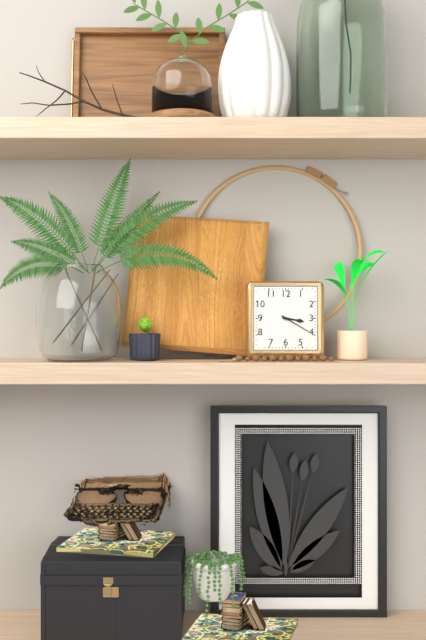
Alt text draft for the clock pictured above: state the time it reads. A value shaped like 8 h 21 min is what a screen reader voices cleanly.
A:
3 h 20 min
